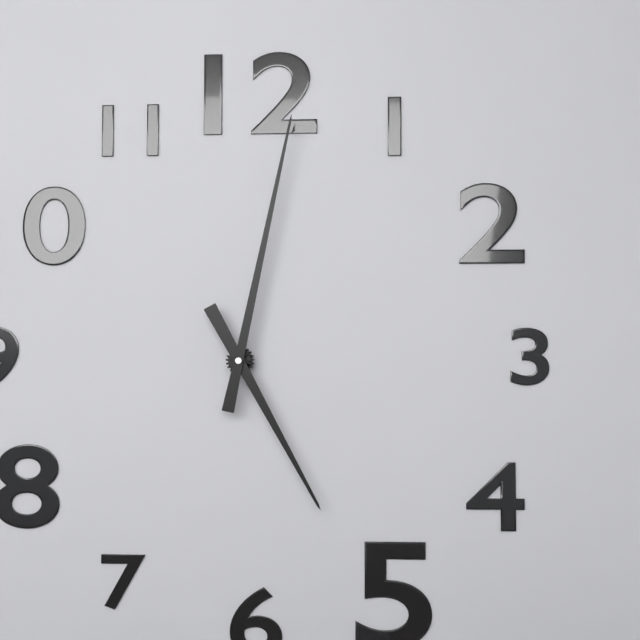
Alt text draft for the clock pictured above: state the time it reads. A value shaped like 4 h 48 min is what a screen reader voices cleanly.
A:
5 h 02 min
